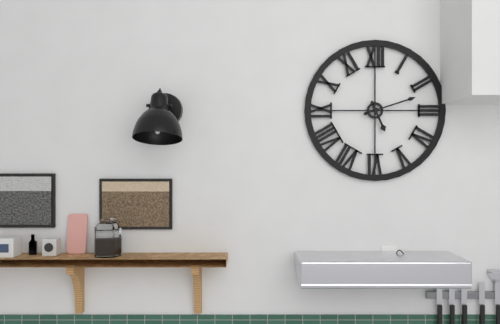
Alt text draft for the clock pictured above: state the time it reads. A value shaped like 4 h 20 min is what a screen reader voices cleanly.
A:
5 h 12 min
